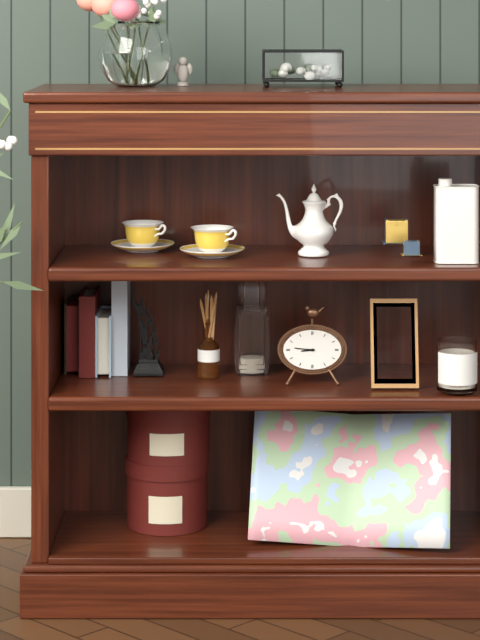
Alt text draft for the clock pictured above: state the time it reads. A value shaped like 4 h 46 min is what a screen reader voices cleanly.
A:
8 h 46 min
